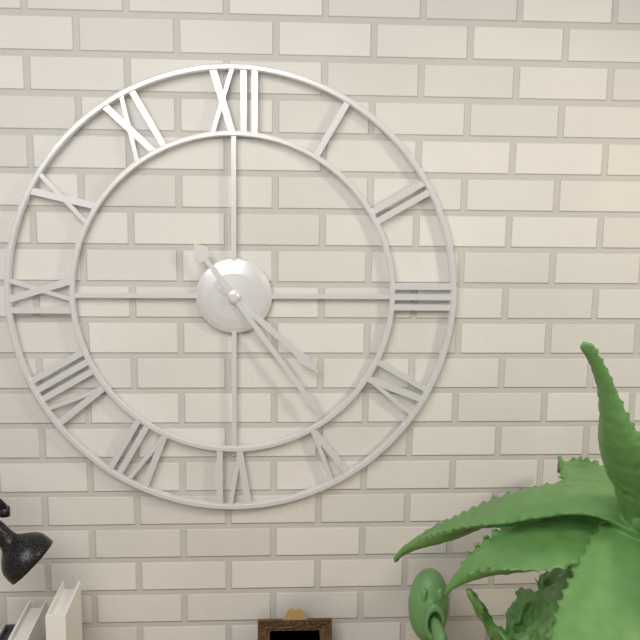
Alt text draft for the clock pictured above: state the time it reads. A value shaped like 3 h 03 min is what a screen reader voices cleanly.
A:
4 h 24 min
